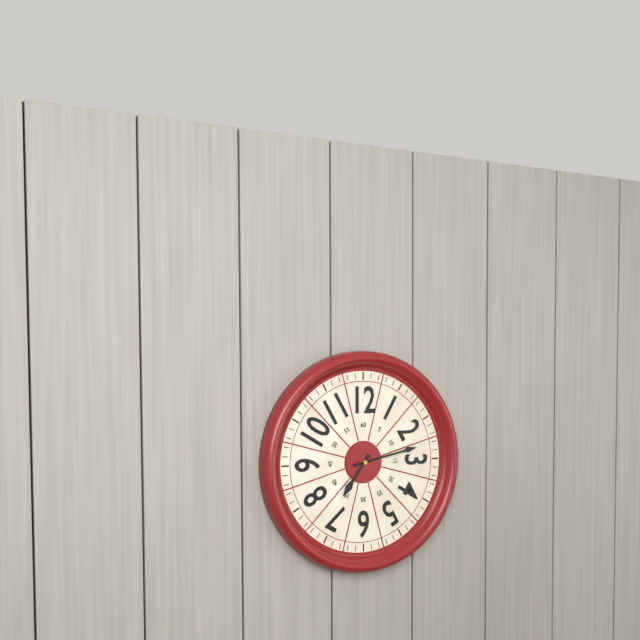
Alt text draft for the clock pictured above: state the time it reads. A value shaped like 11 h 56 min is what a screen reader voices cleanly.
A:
7 h 13 min
